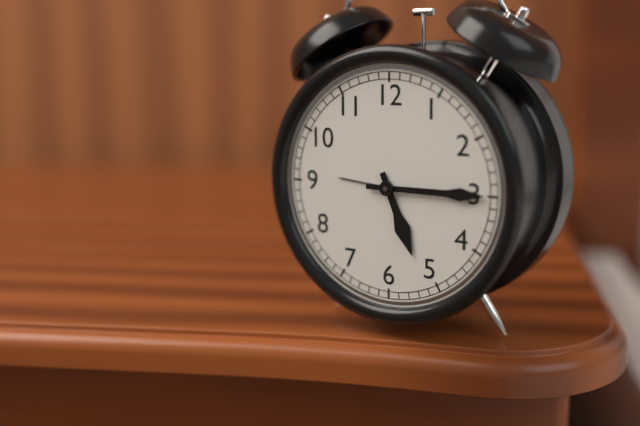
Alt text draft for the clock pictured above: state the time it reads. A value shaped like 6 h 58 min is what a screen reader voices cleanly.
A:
5 h 15 min
